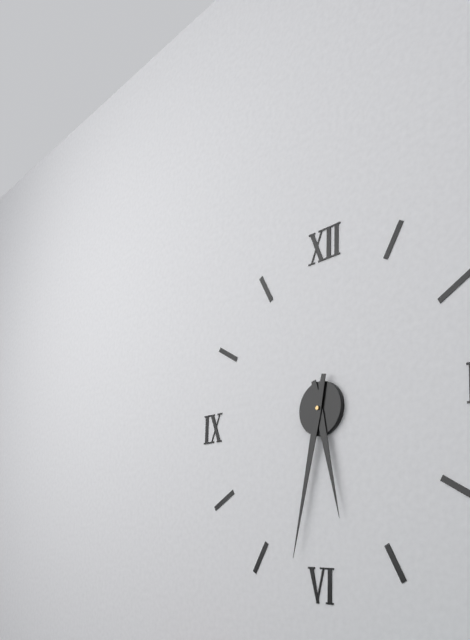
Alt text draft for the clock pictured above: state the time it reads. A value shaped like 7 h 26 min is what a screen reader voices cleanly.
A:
5 h 32 min
